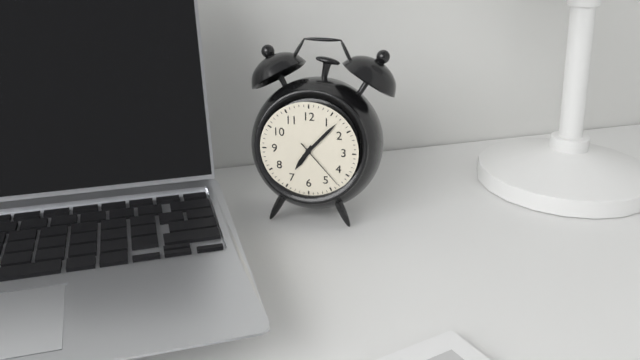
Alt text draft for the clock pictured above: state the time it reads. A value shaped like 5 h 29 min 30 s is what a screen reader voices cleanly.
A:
7 h 07 min 23 s
